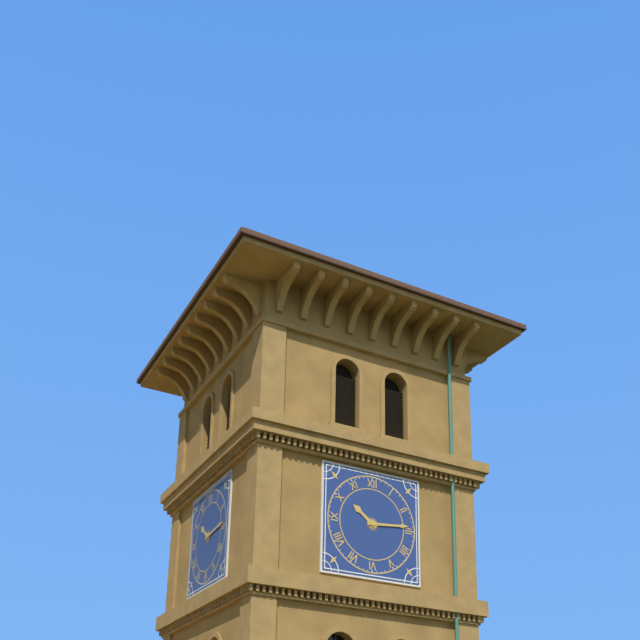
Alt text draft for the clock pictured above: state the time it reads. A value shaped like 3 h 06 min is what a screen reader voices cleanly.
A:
10 h 14 min
